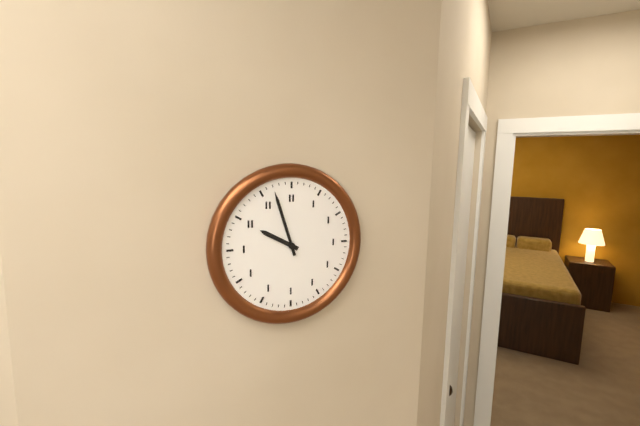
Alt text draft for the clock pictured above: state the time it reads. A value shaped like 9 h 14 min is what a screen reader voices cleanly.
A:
9 h 57 min
